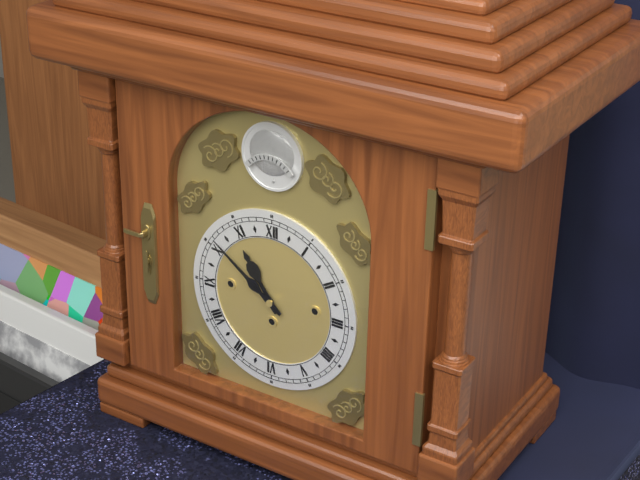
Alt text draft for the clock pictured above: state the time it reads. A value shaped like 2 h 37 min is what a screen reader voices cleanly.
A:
10 h 51 min
